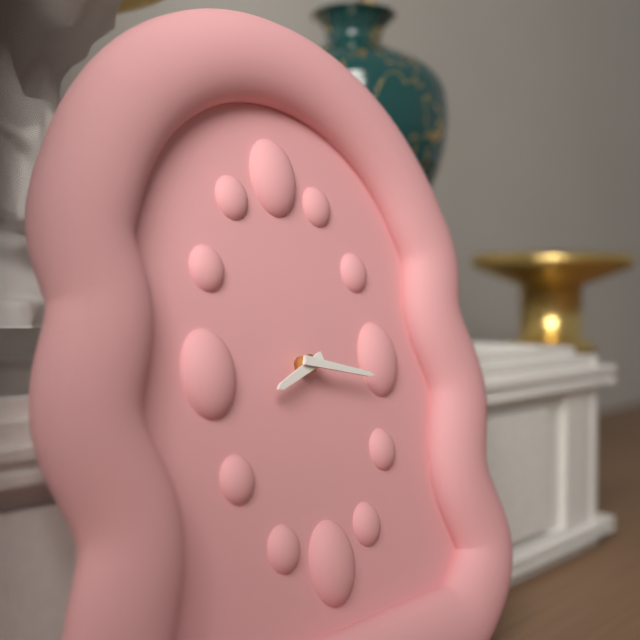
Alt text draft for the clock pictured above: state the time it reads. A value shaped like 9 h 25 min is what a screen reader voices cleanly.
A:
8 h 17 min
